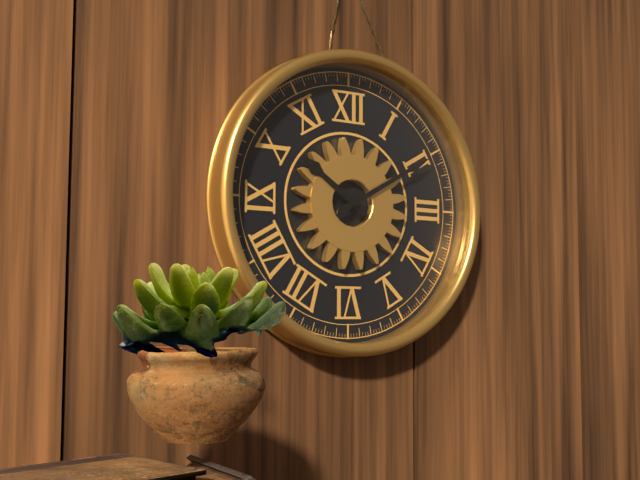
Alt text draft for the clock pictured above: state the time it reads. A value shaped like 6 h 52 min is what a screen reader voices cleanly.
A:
10 h 10 min
